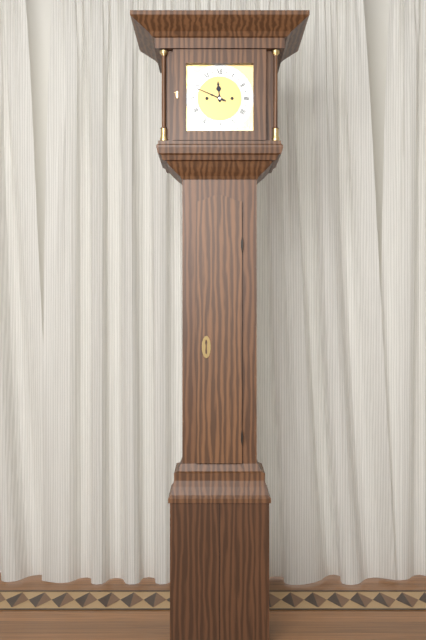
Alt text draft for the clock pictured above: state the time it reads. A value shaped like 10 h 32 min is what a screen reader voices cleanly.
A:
11 h 49 min
